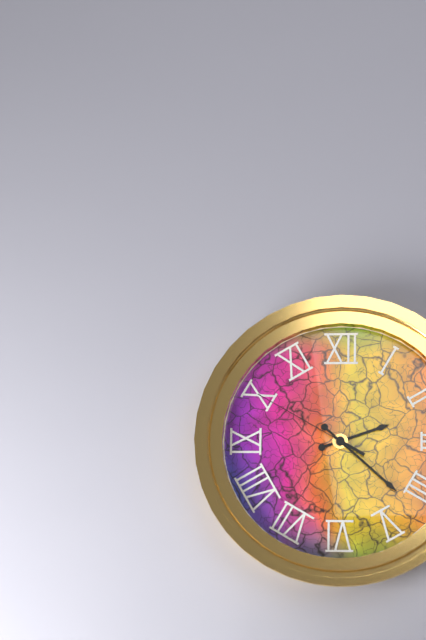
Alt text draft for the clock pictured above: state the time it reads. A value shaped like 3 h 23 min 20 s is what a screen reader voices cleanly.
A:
2 h 22 min 50 s
